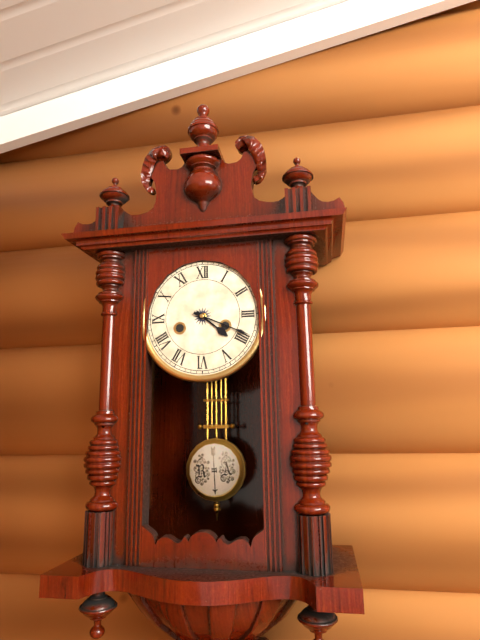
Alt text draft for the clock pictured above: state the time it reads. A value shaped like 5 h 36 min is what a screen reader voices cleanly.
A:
4 h 19 min
